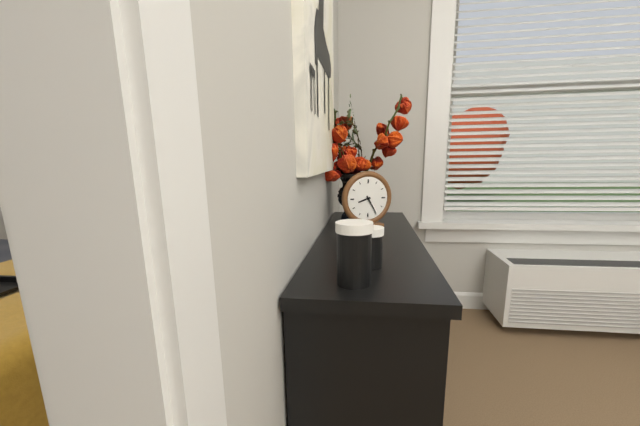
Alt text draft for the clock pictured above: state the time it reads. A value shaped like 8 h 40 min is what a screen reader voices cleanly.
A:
8 h 25 min
